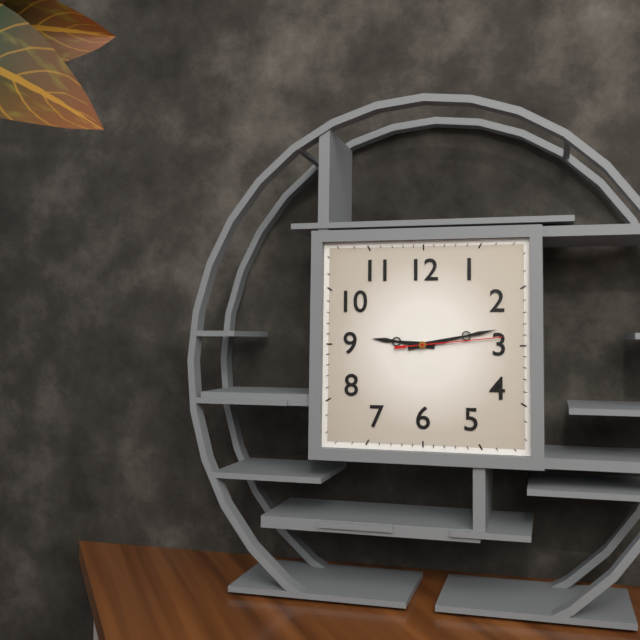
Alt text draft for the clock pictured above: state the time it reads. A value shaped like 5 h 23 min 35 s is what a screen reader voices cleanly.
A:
9 h 13 min 14 s
